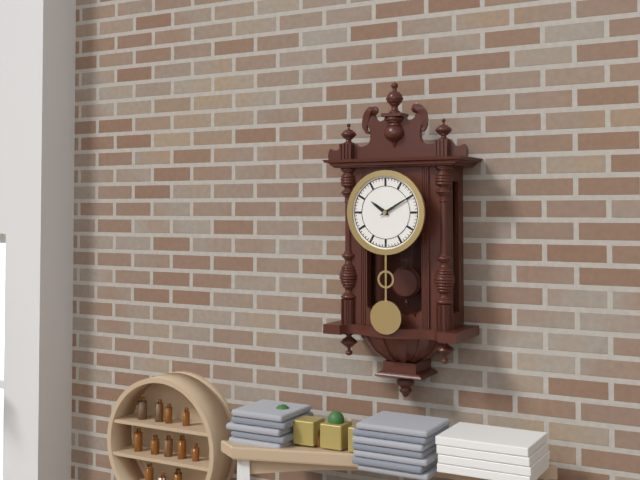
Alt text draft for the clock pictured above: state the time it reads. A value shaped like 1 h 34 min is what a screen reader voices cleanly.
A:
10 h 10 min
